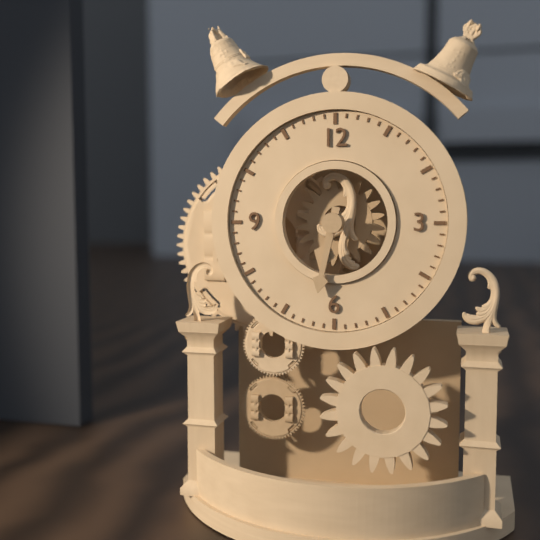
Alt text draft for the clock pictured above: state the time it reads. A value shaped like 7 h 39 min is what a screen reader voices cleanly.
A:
6 h 32 min
